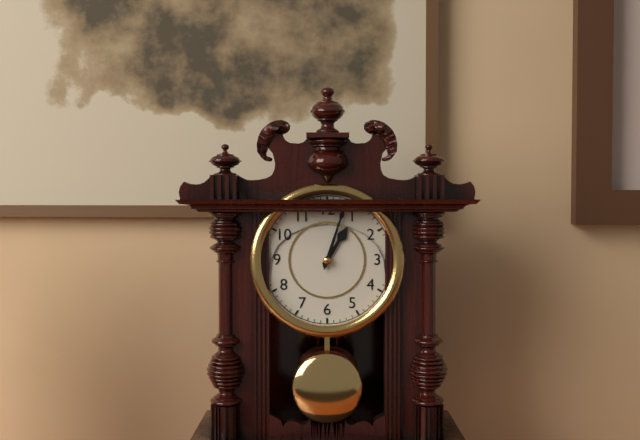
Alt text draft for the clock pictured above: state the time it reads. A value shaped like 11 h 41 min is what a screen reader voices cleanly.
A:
1 h 03 min
